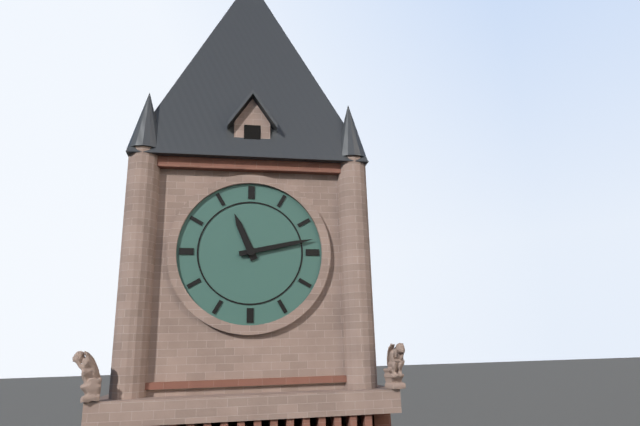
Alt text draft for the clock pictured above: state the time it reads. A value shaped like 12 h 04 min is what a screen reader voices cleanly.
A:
11 h 13 min
